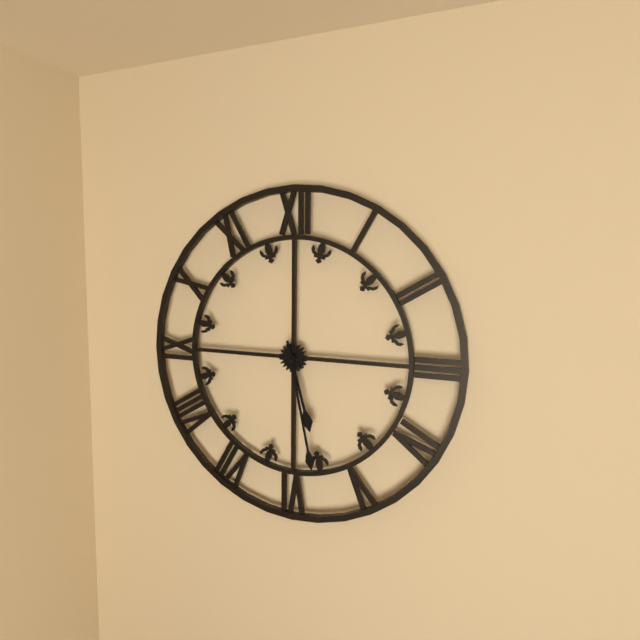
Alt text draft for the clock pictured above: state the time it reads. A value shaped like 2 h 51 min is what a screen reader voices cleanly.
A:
5 h 28 min
